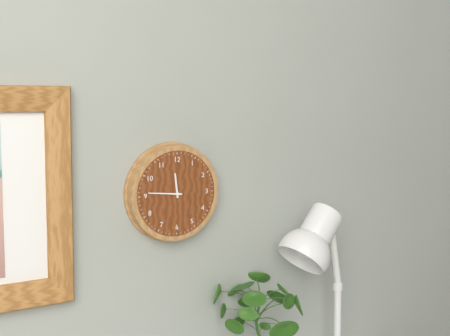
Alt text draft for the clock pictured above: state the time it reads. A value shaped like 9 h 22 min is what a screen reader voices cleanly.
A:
11 h 46 min
